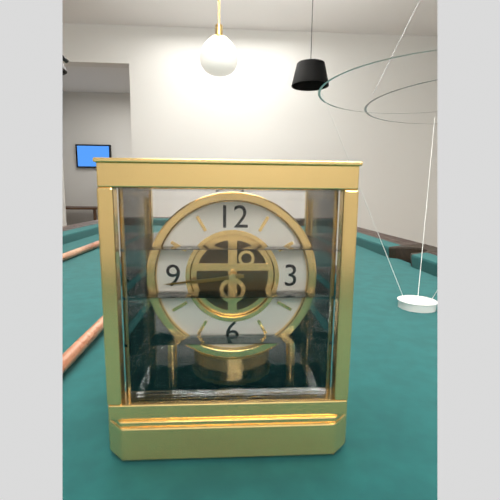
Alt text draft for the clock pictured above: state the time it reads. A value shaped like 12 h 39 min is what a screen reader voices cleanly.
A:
8 h 44 min
